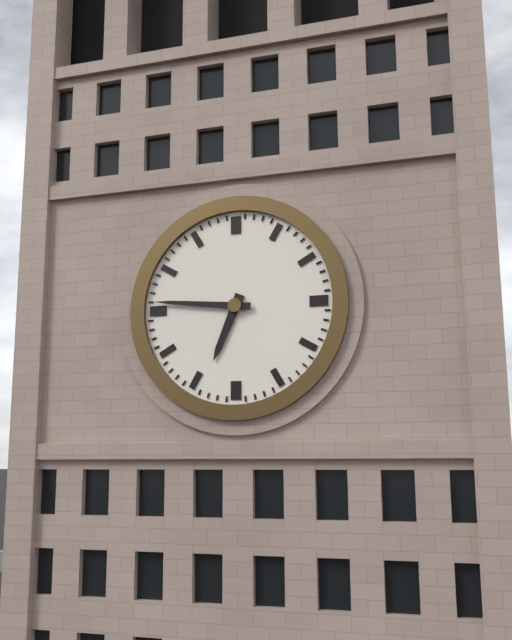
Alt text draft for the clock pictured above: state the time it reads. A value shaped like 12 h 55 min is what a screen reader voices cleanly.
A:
6 h 46 min
